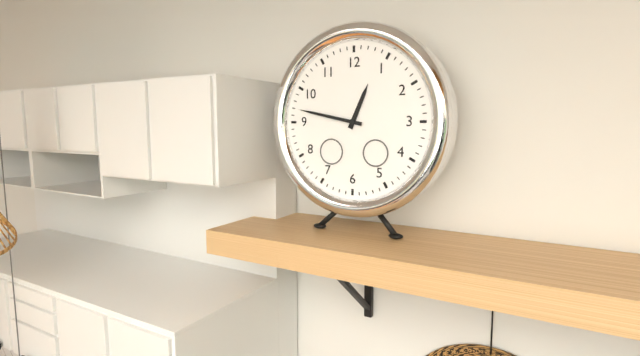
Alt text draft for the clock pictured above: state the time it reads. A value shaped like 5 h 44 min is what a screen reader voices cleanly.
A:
12 h 47 min
